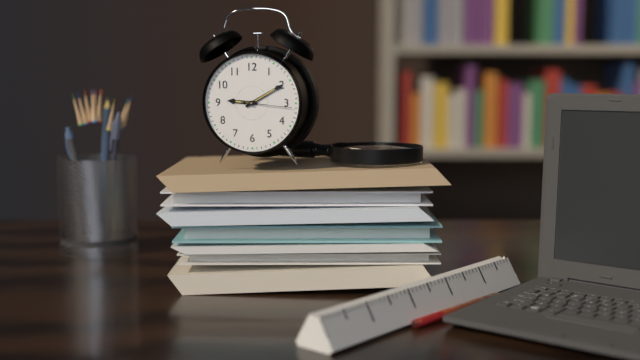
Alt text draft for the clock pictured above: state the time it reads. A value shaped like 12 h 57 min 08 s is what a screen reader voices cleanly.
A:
9 h 10 min 16 s
